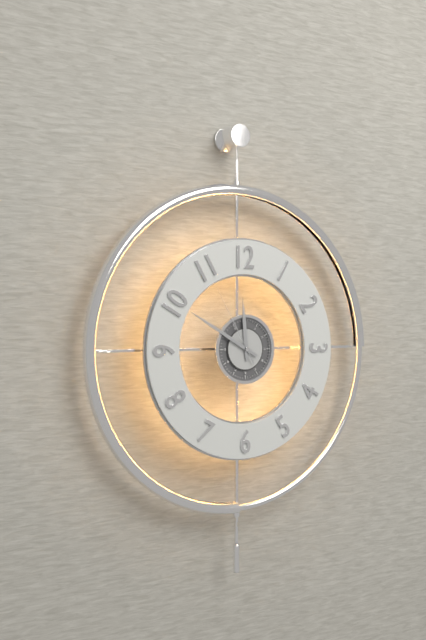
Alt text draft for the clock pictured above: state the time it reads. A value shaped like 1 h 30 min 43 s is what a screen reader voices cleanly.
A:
11 h 50 min 55 s
